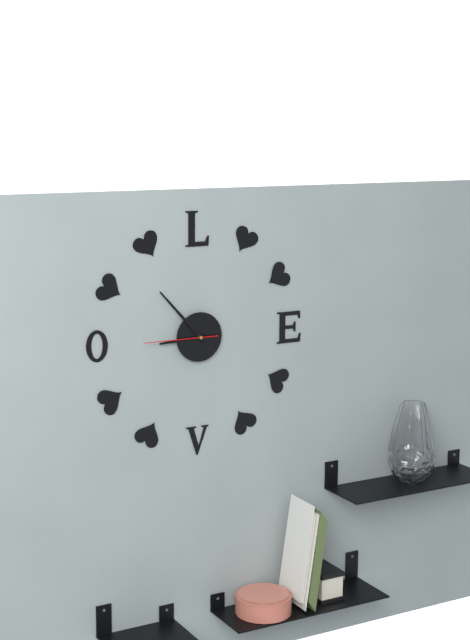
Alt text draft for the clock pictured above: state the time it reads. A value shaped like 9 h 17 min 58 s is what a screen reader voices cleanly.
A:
8 h 53 min 45 s
